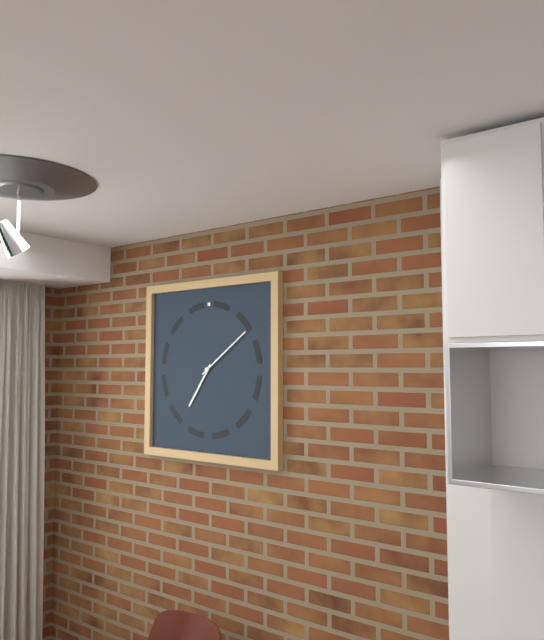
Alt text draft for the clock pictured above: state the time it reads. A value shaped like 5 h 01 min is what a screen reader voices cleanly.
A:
7 h 09 min
